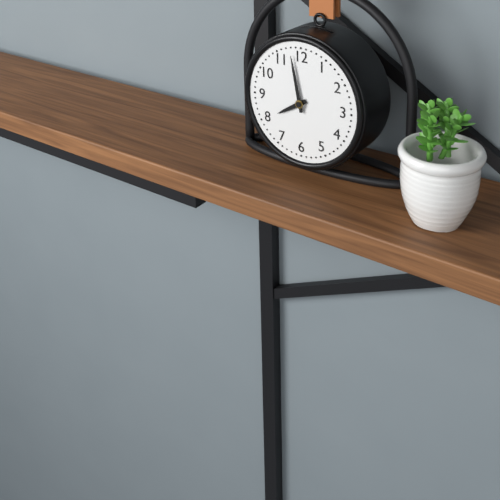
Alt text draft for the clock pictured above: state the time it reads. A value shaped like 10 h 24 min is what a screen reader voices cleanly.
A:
7 h 58 min
